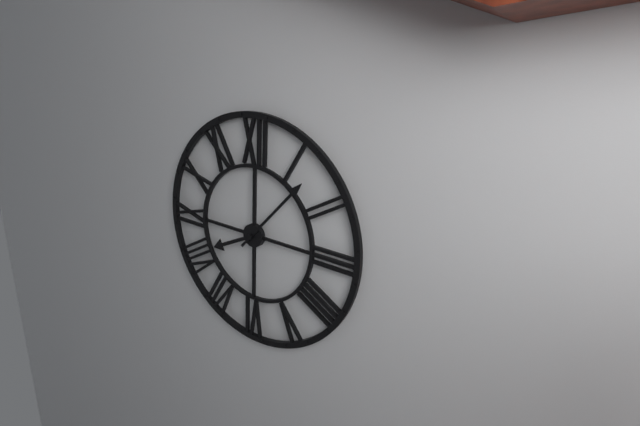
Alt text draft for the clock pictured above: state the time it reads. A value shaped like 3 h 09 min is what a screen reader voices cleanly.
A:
8 h 07 min
